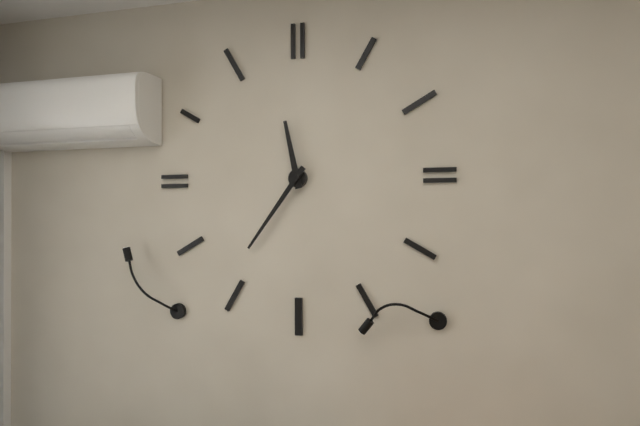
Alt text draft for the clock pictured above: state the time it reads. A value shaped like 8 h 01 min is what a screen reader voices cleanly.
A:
11 h 36 min
